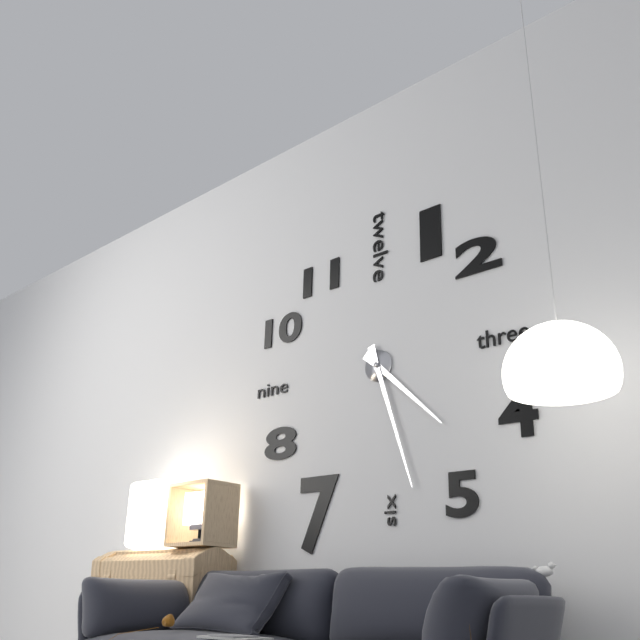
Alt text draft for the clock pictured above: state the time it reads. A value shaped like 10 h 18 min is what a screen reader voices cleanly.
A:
4 h 27 min
